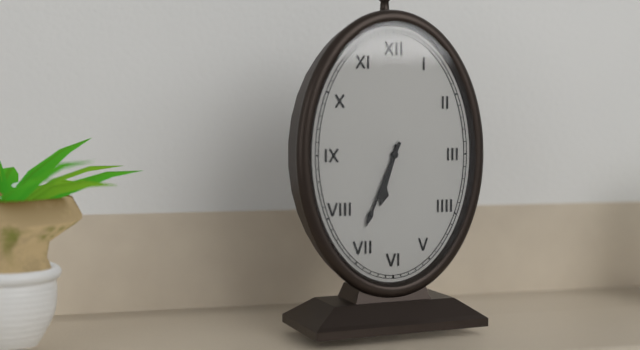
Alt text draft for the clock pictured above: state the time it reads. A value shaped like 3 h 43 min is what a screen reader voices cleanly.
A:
6 h 34 min
